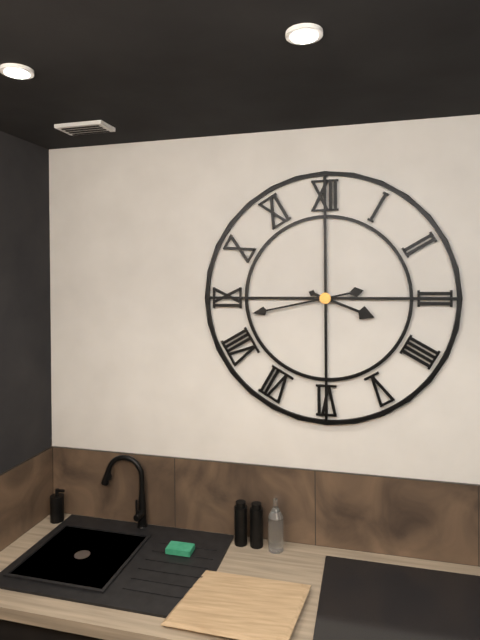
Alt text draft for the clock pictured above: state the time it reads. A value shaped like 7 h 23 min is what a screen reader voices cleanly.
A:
3 h 43 min
